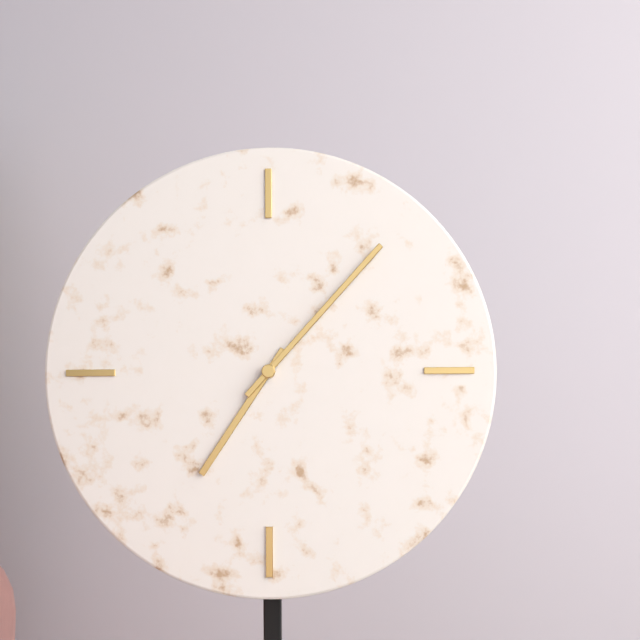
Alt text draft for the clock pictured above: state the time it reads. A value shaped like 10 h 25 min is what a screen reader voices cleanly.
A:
7 h 07 min
